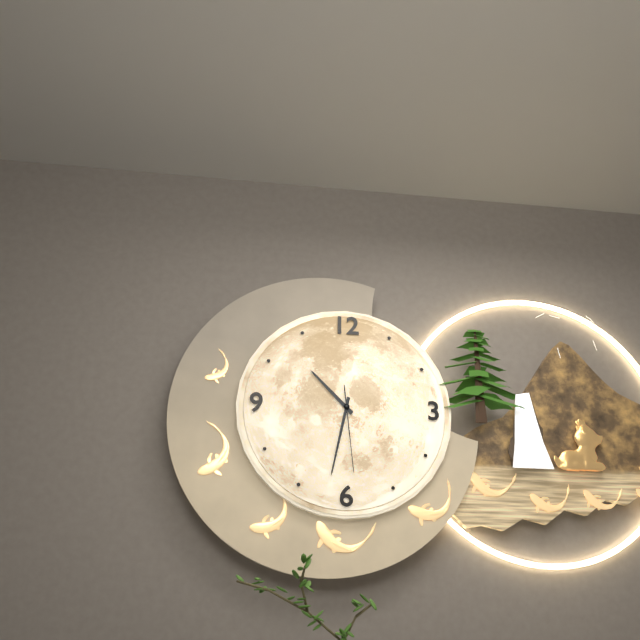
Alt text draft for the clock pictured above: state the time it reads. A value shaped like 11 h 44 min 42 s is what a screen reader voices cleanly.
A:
10 h 32 min 29 s
